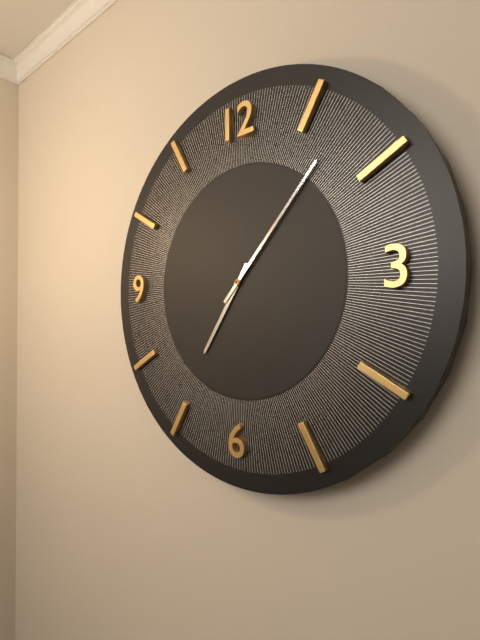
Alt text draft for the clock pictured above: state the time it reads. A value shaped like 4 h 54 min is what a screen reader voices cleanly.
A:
7 h 07 min
